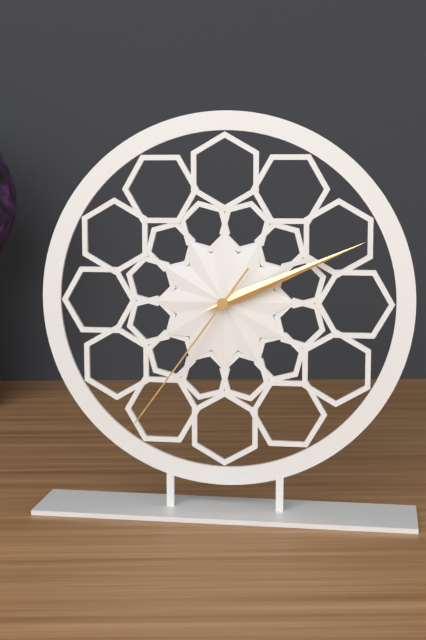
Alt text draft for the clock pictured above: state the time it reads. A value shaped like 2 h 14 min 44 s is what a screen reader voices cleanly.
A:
2 h 11 min 36 s
